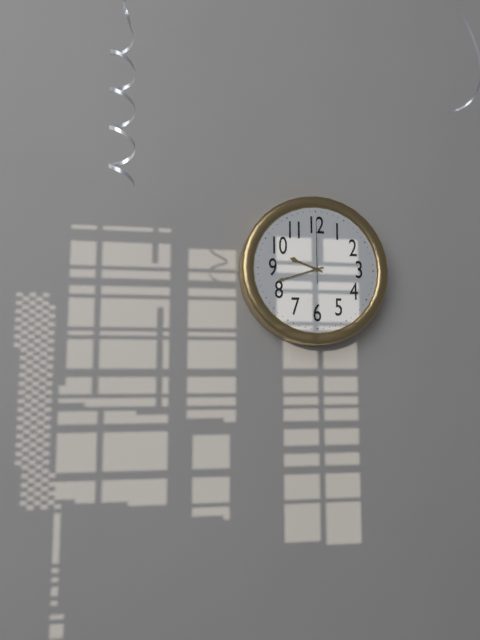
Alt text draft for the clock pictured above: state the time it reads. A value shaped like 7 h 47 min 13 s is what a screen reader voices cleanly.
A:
9 h 42 min 00 s
